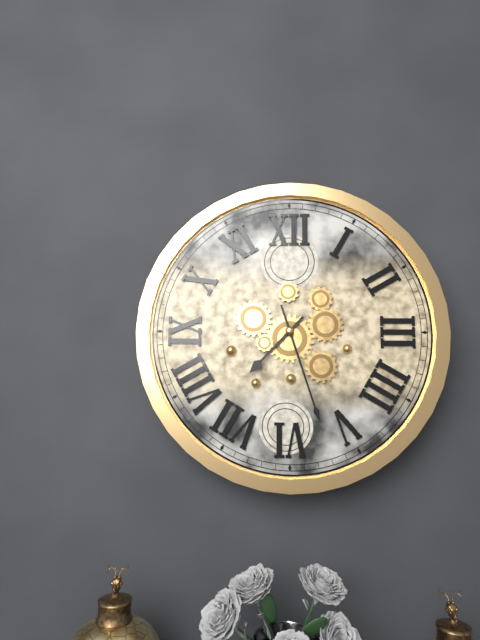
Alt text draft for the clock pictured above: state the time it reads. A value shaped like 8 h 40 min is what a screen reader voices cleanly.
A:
7 h 27 min
